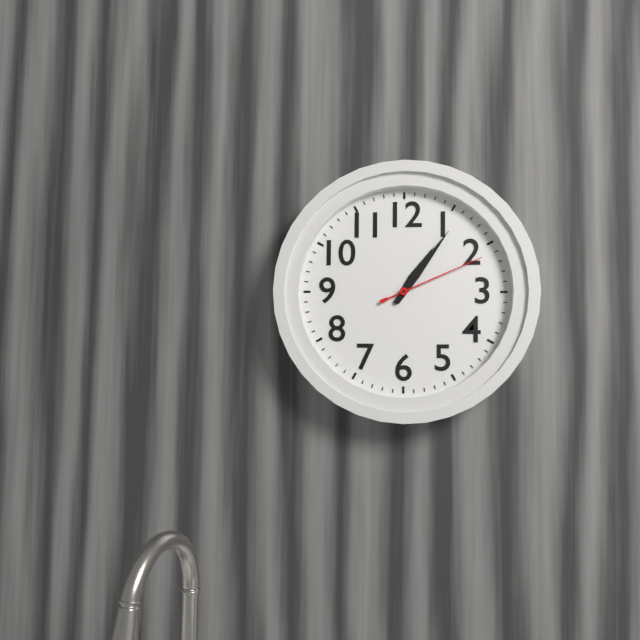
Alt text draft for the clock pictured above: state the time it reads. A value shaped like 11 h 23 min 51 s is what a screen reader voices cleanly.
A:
1 h 06 min 11 s
